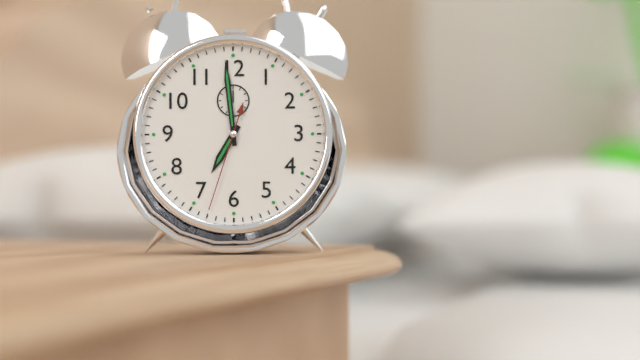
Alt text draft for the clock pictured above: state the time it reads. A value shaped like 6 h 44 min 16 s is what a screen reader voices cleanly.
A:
6 h 59 min 33 s
